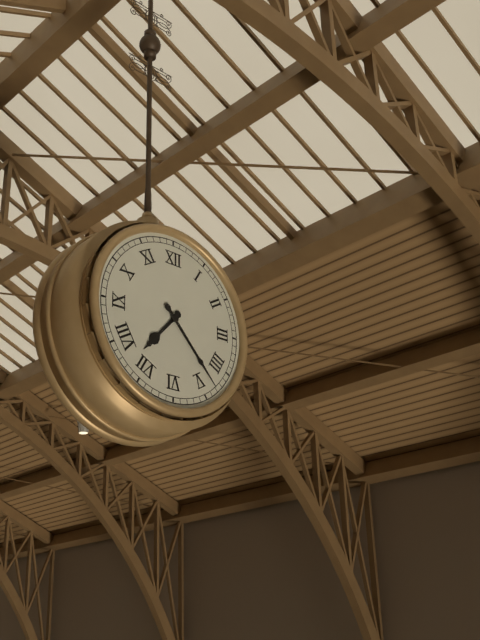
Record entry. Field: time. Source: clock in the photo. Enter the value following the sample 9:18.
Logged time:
7:23
